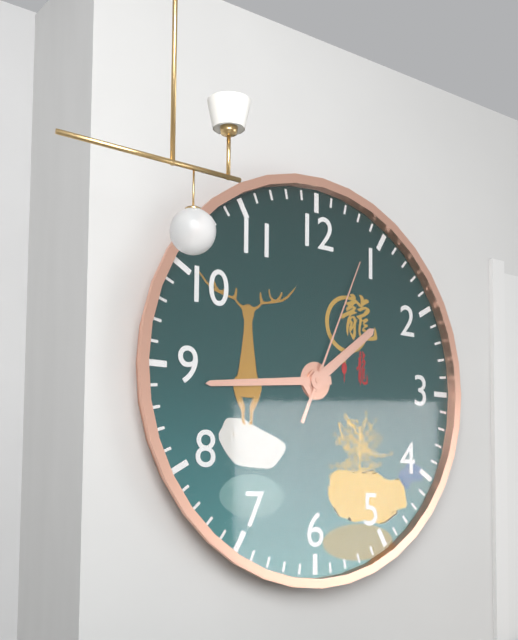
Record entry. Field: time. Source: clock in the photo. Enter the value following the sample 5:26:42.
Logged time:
1:44:04
